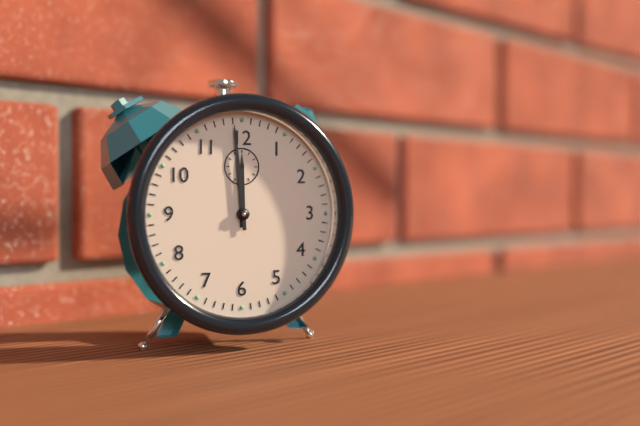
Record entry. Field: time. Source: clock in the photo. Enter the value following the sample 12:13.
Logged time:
11:59
